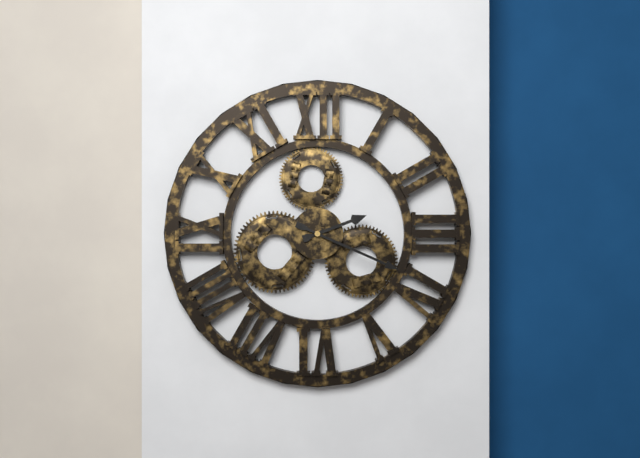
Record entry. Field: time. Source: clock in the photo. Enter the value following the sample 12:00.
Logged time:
2:19
